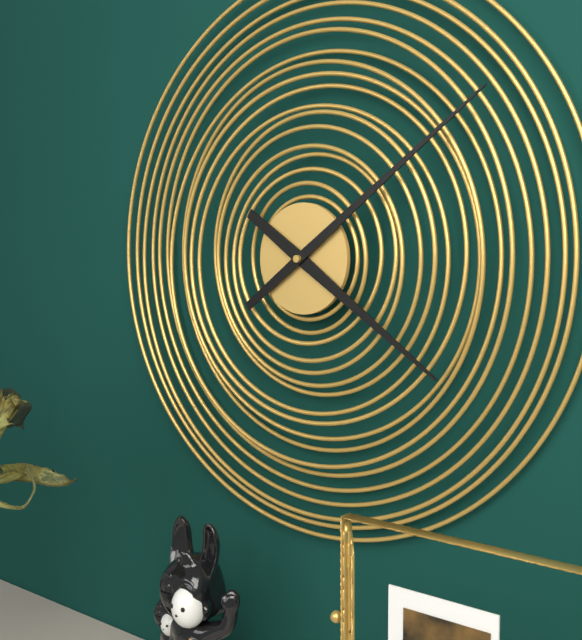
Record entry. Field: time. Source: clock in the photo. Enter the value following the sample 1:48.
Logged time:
4:09
